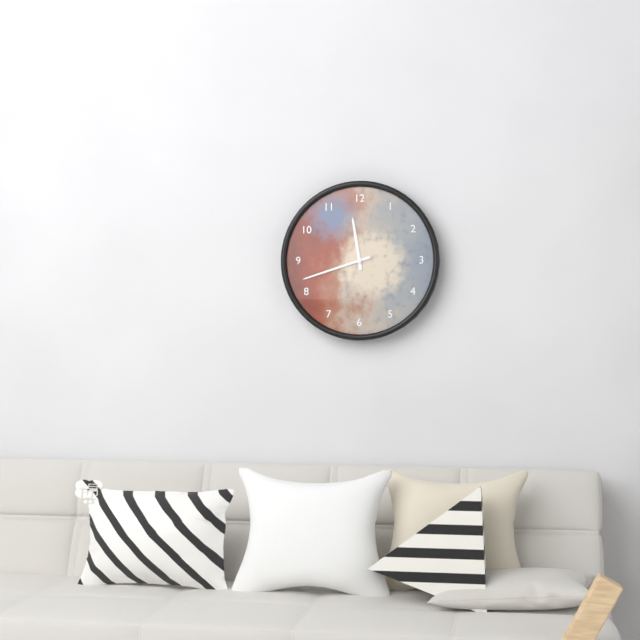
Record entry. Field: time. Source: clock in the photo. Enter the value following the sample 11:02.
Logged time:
11:42
